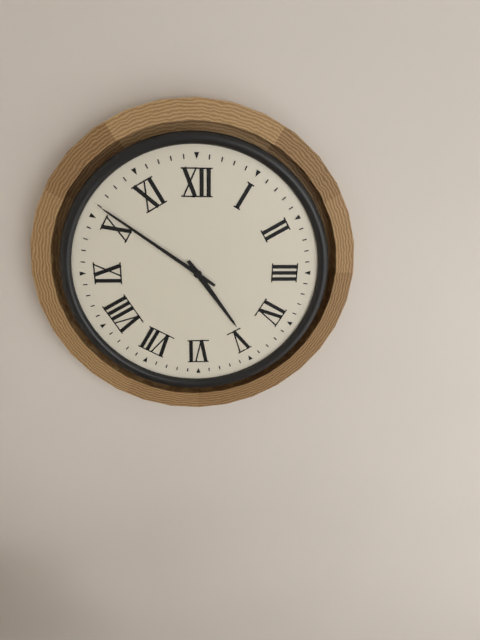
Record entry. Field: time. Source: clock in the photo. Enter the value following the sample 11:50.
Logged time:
4:51
